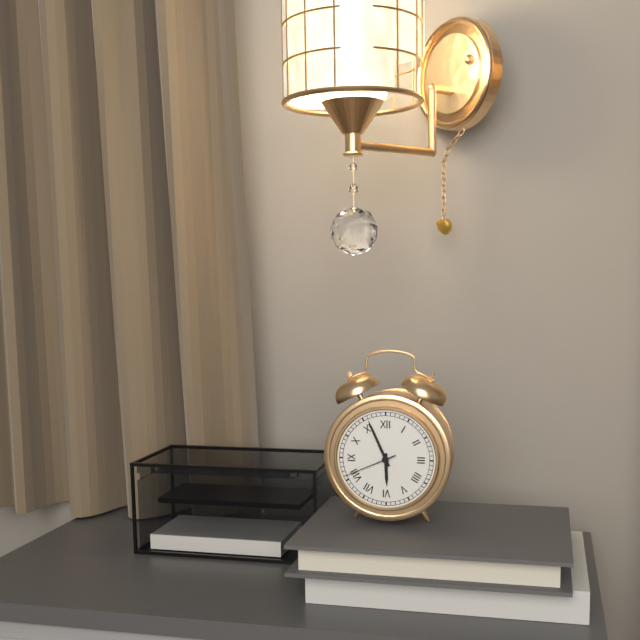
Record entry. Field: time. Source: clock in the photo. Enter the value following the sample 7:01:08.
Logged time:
5:56:41
